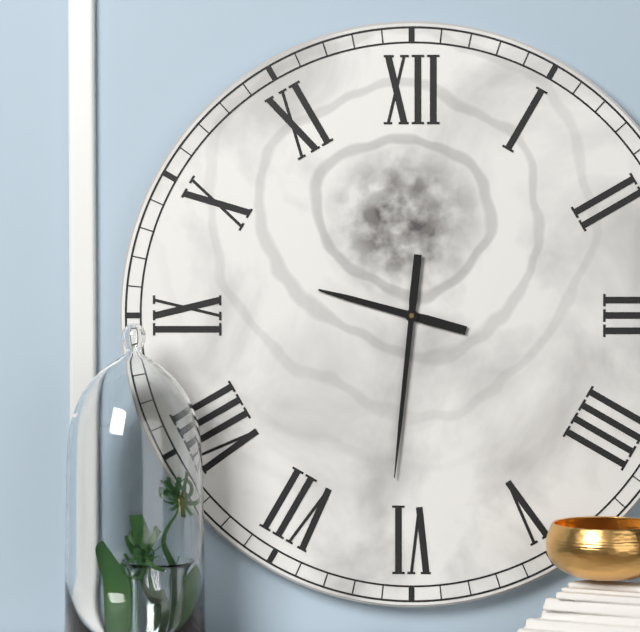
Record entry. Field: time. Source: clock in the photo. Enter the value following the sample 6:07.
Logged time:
9:31
